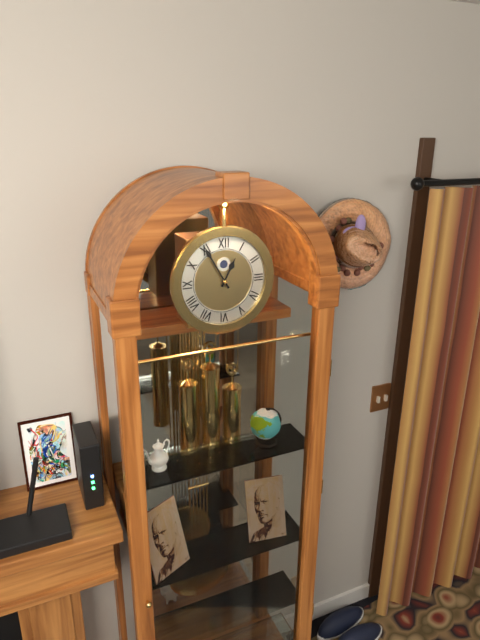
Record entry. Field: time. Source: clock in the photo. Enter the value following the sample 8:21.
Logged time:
12:55
